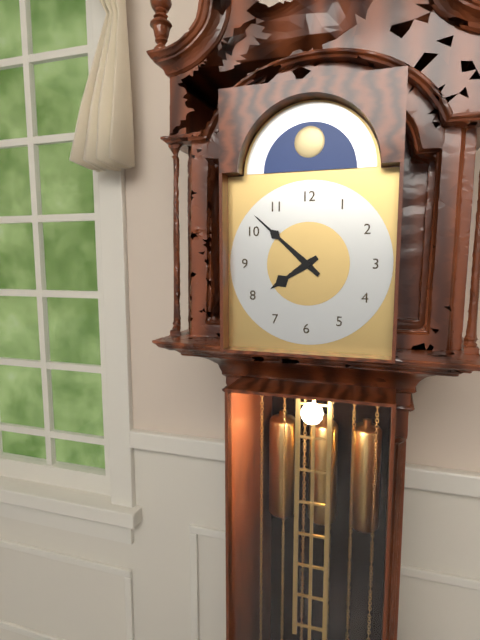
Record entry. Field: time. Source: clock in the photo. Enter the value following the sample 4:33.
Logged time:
7:52
